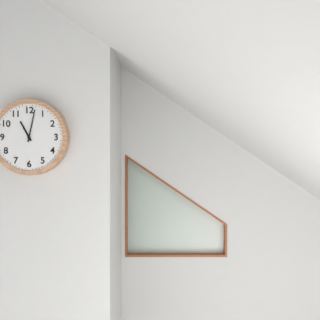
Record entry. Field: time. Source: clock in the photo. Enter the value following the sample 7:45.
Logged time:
11:02
